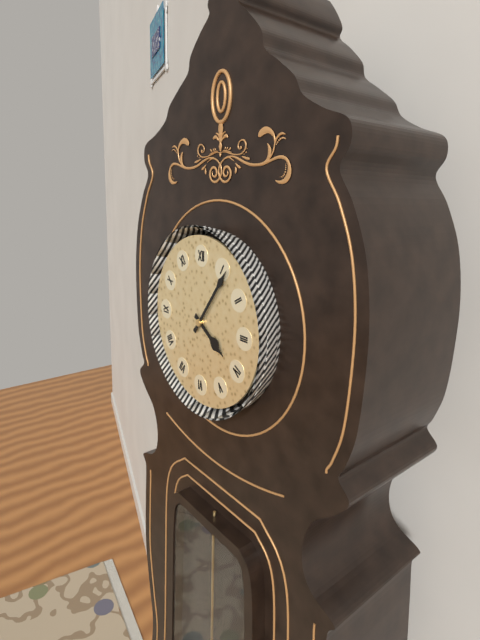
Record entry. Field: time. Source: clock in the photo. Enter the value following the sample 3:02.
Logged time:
4:06
